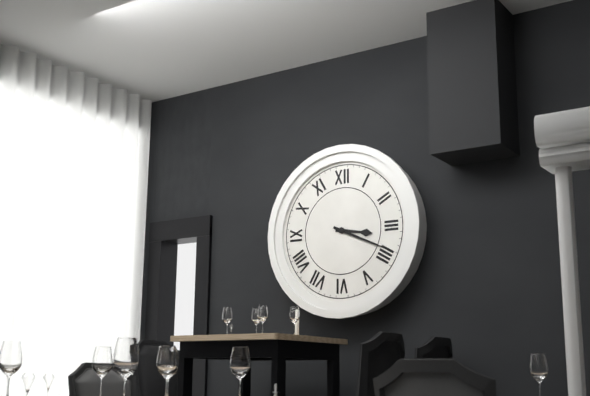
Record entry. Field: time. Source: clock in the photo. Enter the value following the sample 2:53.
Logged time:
3:19
